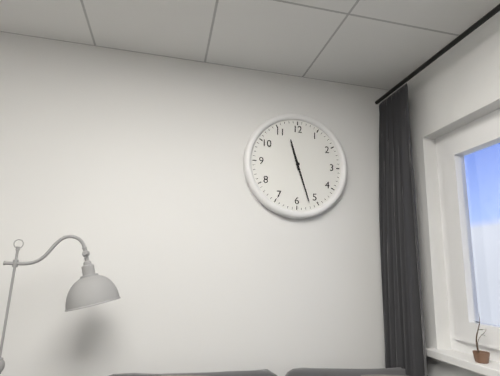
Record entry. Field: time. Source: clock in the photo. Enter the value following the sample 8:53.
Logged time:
11:27
